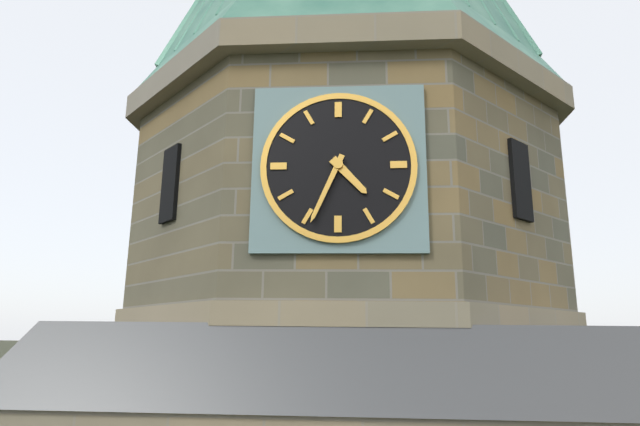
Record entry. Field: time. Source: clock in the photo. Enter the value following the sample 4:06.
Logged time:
4:34
